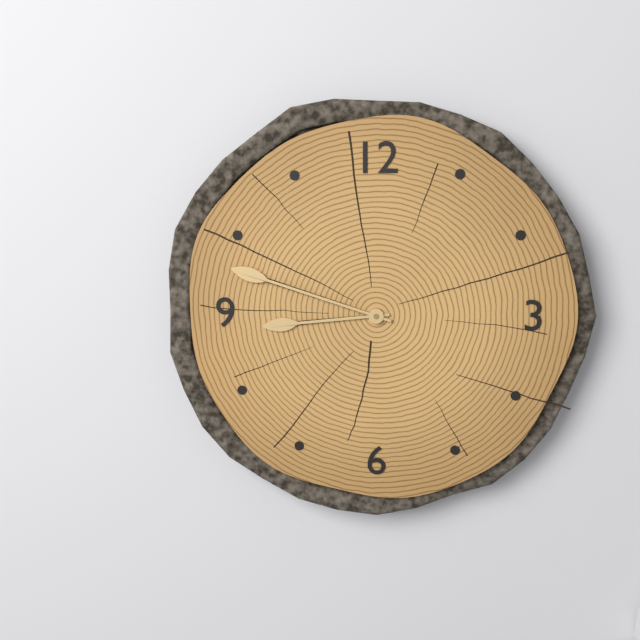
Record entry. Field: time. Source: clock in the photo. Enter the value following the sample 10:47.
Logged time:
8:48
